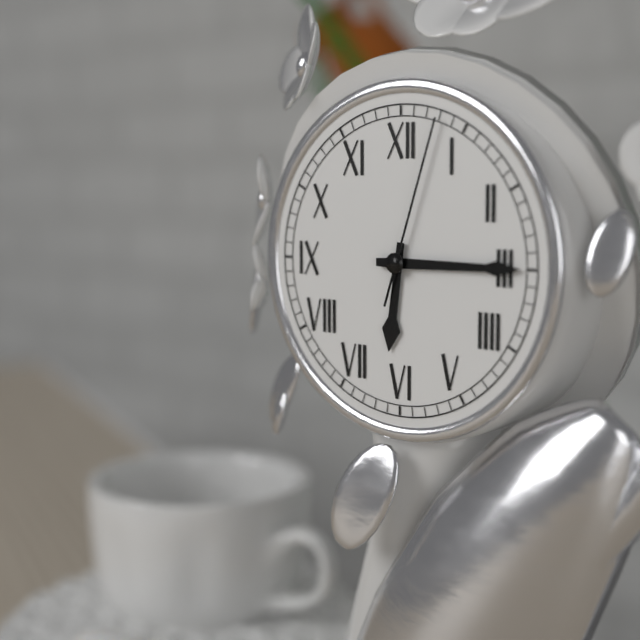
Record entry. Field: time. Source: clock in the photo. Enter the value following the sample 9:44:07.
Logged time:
6:15:03
